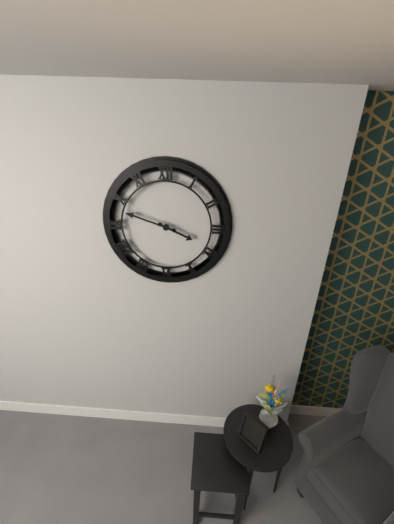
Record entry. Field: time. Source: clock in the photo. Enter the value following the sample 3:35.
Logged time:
3:48
